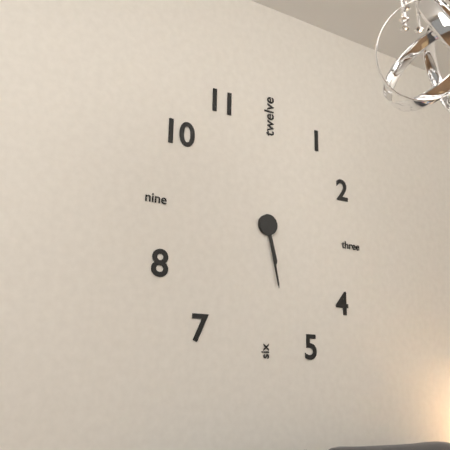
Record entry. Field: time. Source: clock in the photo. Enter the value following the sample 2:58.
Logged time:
5:28
